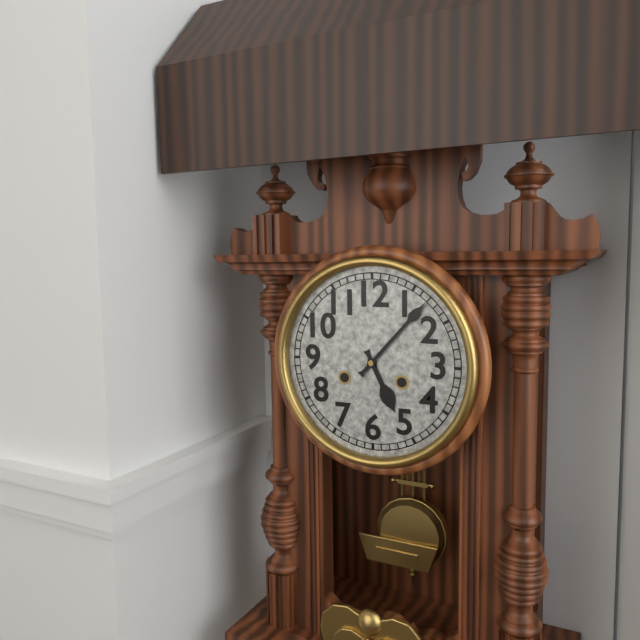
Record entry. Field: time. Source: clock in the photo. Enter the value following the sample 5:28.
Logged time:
5:07
